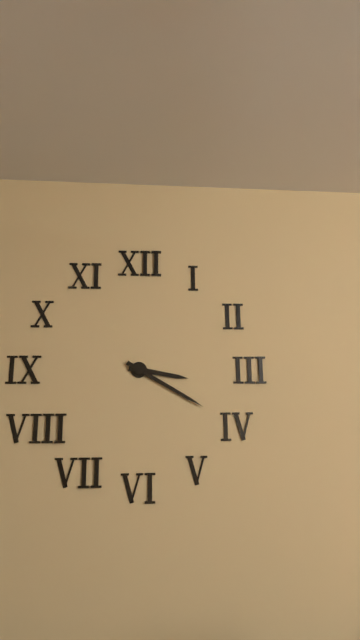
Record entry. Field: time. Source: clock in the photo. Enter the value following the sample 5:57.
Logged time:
3:20
